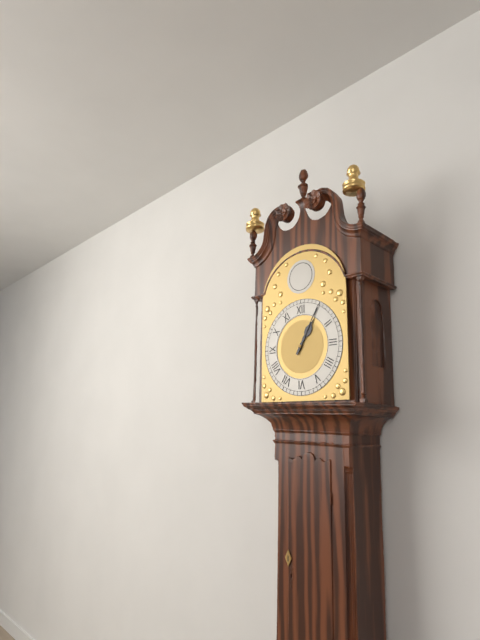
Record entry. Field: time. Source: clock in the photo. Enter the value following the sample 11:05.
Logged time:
1:05
